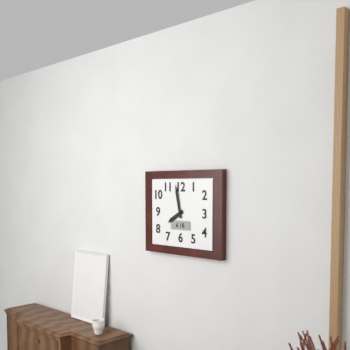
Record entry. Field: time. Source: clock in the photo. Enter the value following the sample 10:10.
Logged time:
7:58
